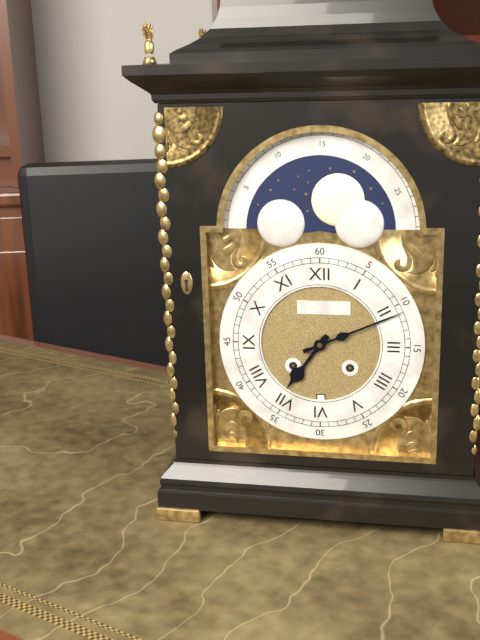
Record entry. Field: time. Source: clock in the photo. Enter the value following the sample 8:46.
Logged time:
7:11
